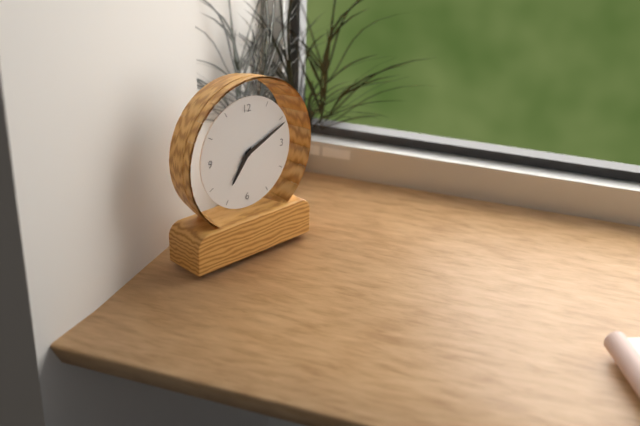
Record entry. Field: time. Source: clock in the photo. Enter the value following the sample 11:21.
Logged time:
7:11
